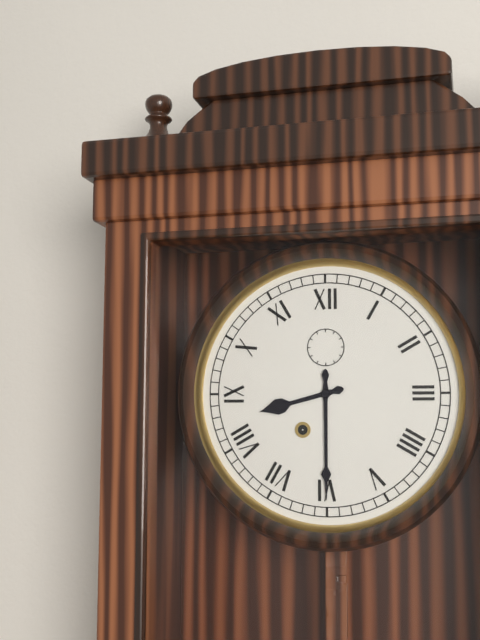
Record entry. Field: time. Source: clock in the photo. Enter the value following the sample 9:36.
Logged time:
8:30
